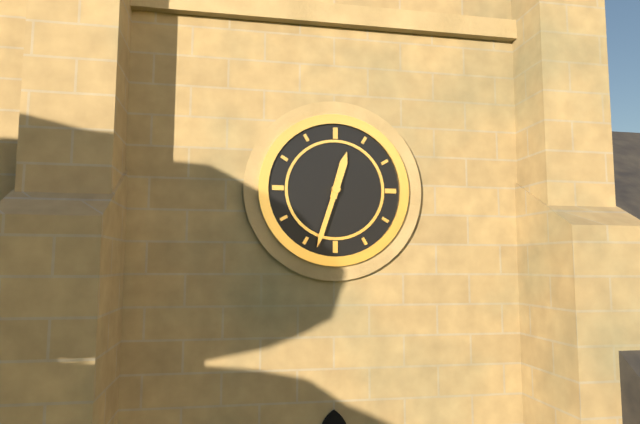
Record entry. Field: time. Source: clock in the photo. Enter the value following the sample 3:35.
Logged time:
12:33
